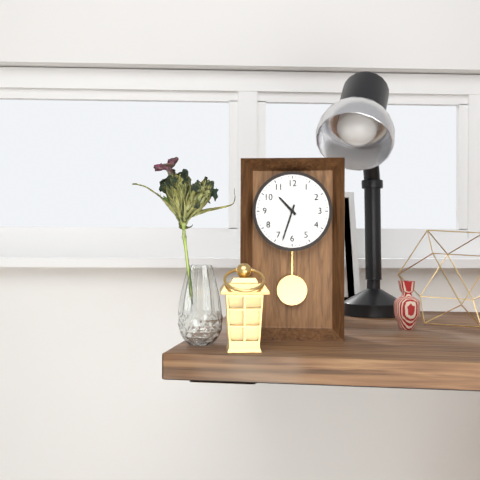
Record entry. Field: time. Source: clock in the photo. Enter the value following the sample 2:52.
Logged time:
10:33
